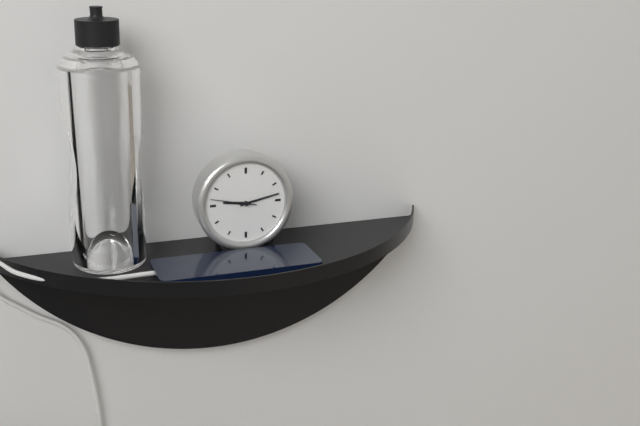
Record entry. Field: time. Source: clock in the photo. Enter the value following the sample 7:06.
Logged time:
9:13
